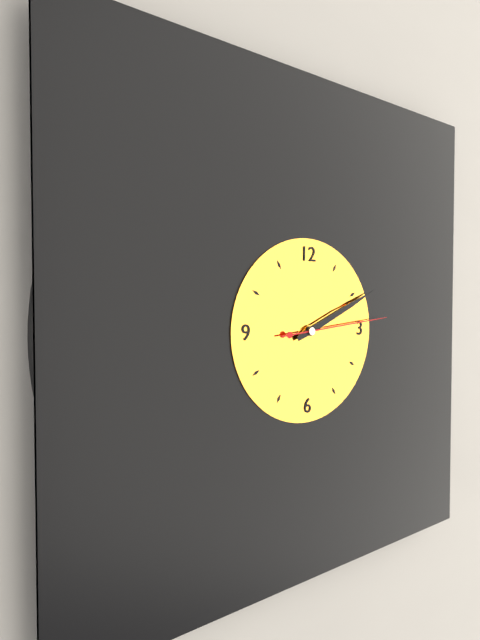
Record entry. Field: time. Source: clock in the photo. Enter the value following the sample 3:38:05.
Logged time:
2:11:14
